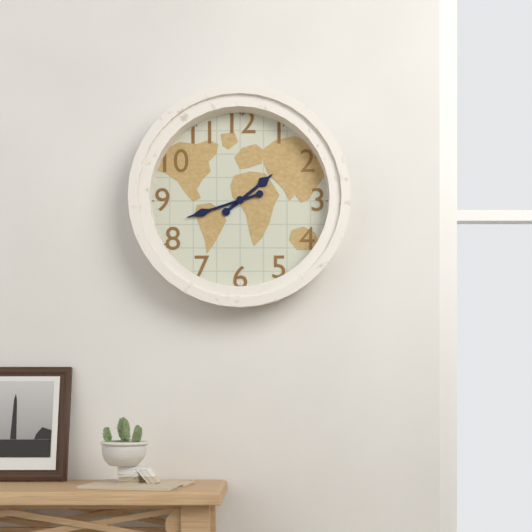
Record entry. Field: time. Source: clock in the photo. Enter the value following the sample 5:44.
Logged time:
1:42
